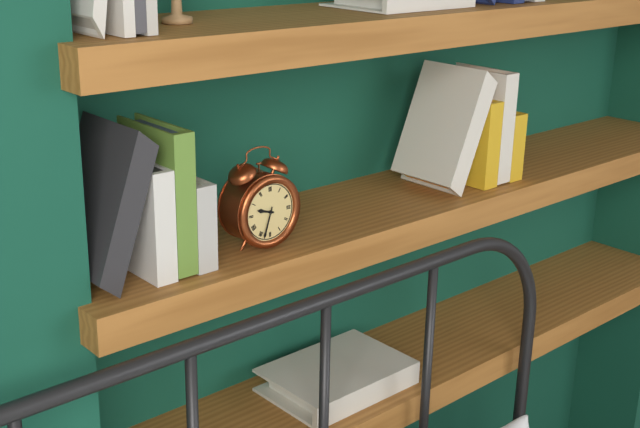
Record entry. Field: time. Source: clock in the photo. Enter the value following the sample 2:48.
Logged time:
9:33
